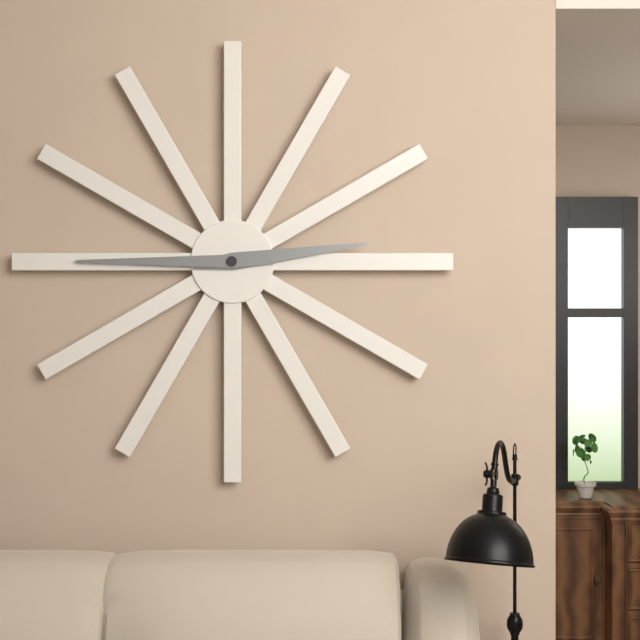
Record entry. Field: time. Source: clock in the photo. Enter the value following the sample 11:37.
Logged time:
2:45
